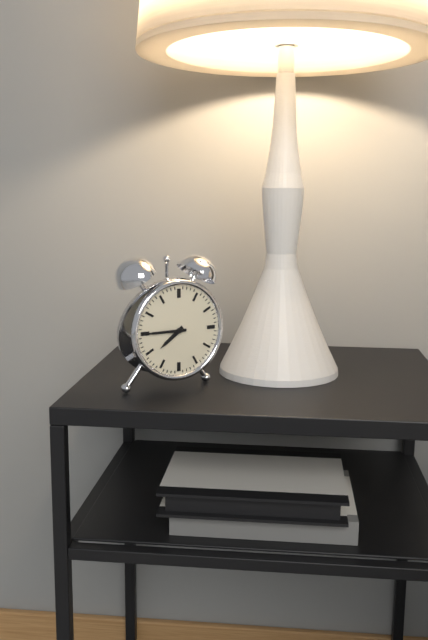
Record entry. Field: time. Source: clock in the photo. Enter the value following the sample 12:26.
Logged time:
7:45
